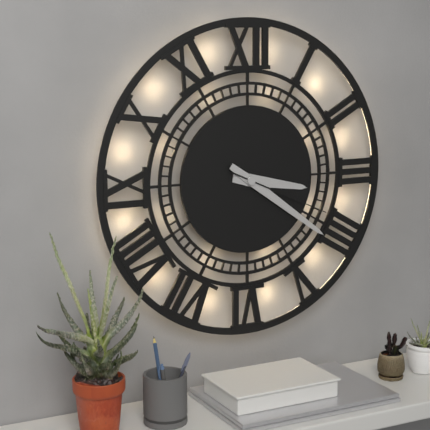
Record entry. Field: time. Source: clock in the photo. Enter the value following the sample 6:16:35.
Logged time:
3:21:19
